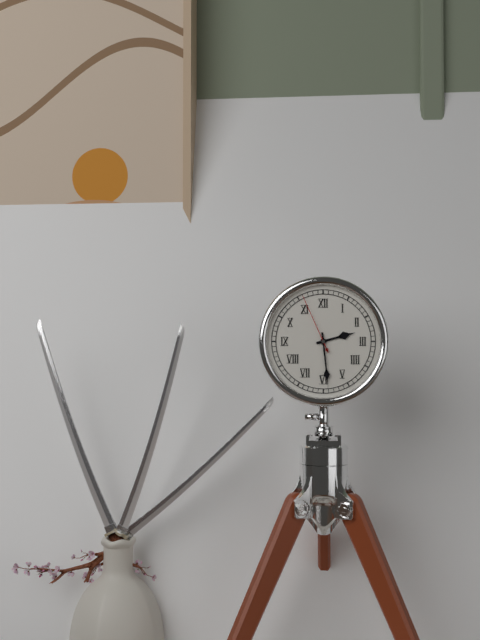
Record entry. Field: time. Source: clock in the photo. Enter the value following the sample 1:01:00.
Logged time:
2:29:56
